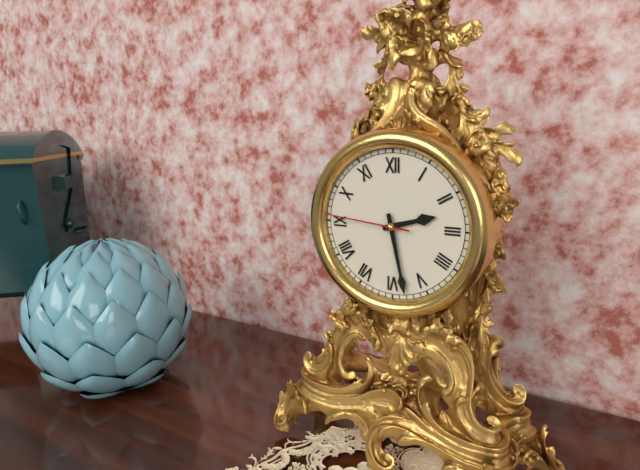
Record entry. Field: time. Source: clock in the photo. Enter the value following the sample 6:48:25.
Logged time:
2:28:46
